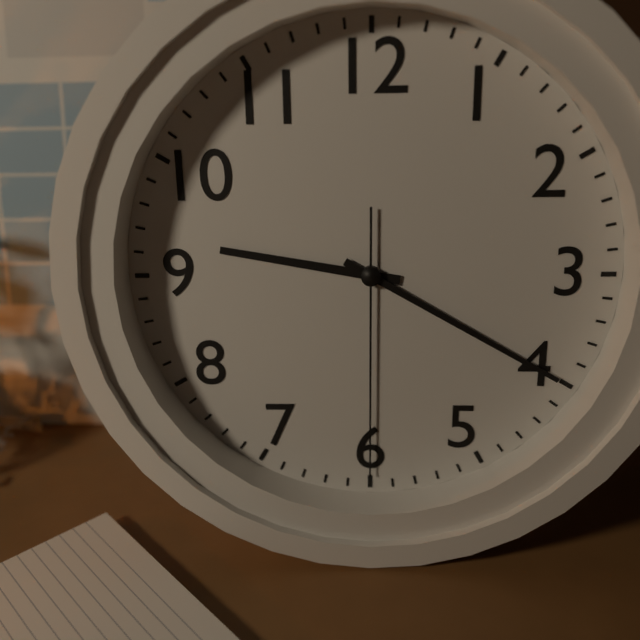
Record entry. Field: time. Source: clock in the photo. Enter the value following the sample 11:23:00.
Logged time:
9:20:30
